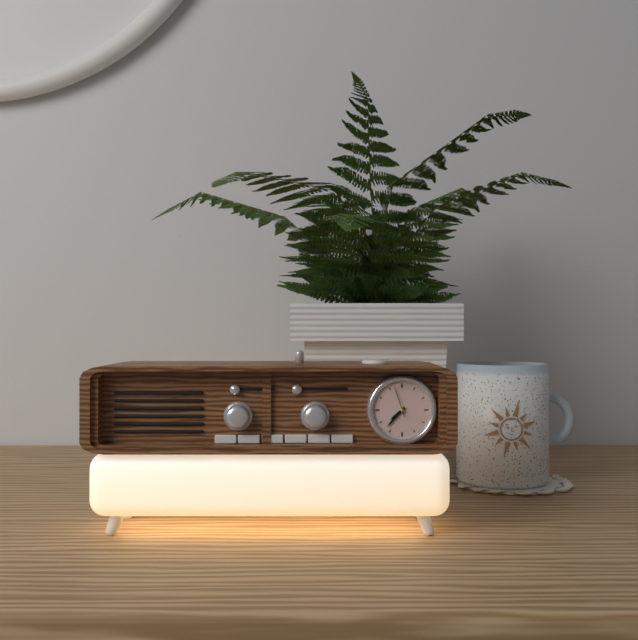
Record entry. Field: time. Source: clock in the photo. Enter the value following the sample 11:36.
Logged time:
7:37
